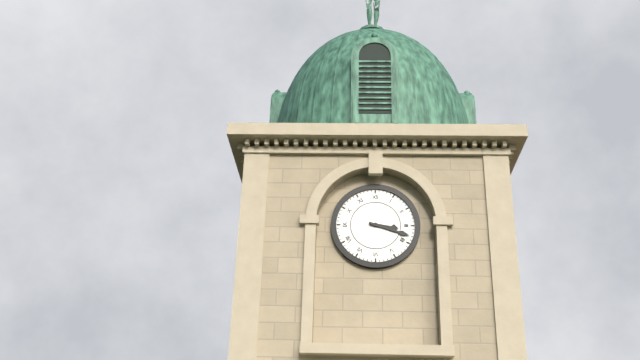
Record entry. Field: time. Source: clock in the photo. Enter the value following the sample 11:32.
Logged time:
3:18
